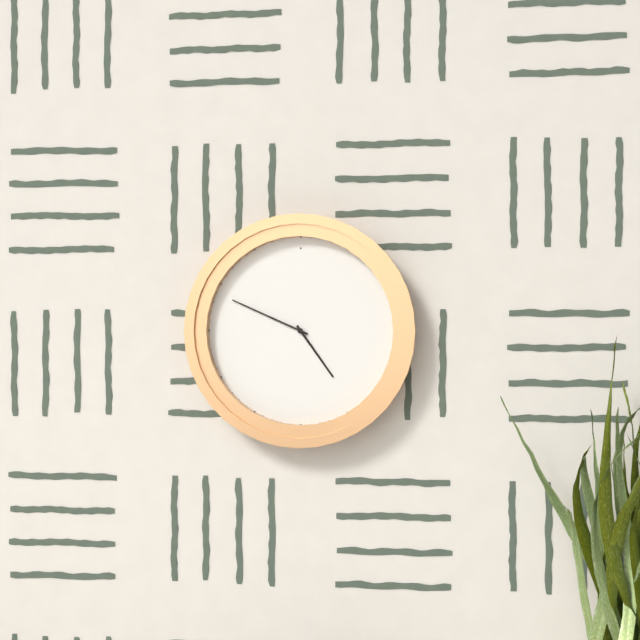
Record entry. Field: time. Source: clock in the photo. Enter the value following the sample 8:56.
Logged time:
4:49
